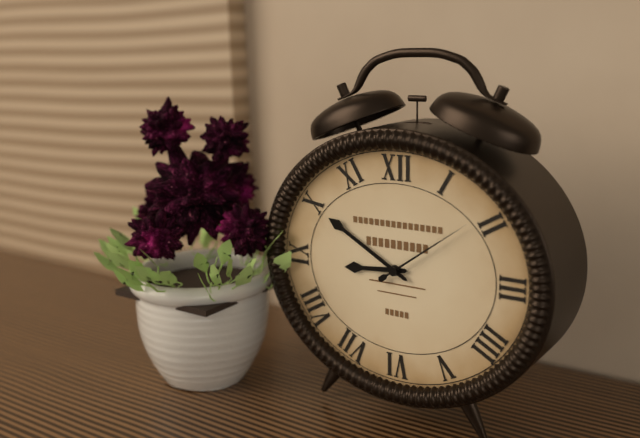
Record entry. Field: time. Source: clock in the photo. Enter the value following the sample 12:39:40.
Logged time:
8:50:09
